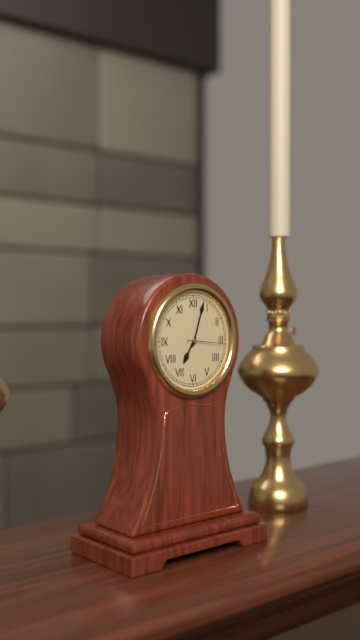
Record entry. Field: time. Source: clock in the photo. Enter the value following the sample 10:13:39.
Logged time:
7:03:16
